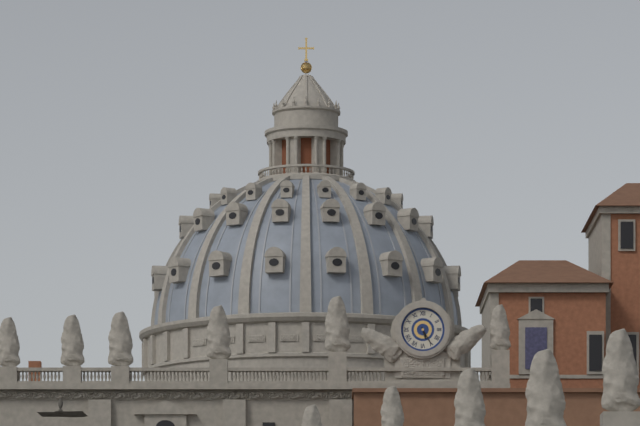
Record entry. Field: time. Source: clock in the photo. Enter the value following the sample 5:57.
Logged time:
5:25
